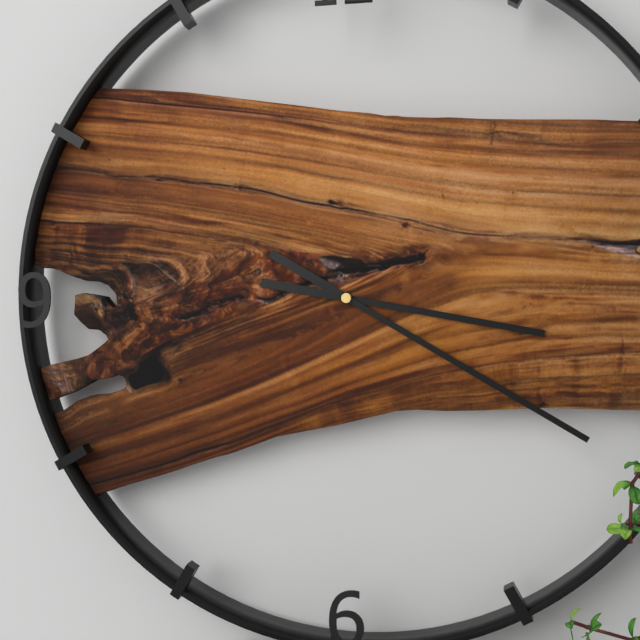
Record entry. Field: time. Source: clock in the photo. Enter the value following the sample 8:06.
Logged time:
3:20
